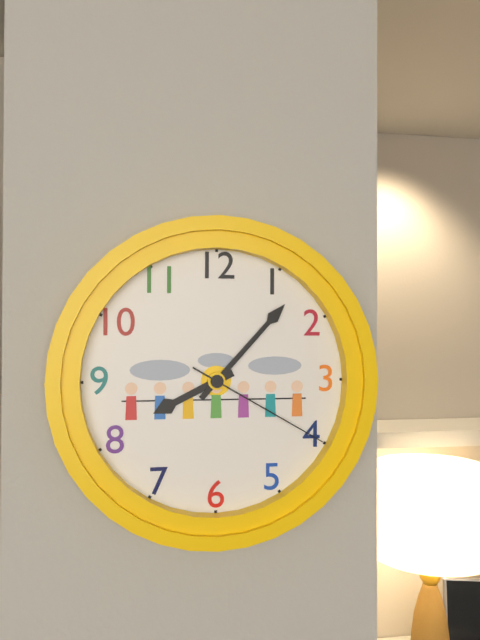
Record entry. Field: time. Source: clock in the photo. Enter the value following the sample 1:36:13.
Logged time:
8:07:20
